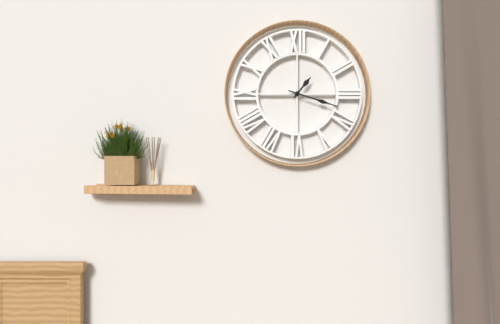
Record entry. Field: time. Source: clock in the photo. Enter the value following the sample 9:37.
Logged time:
1:18
